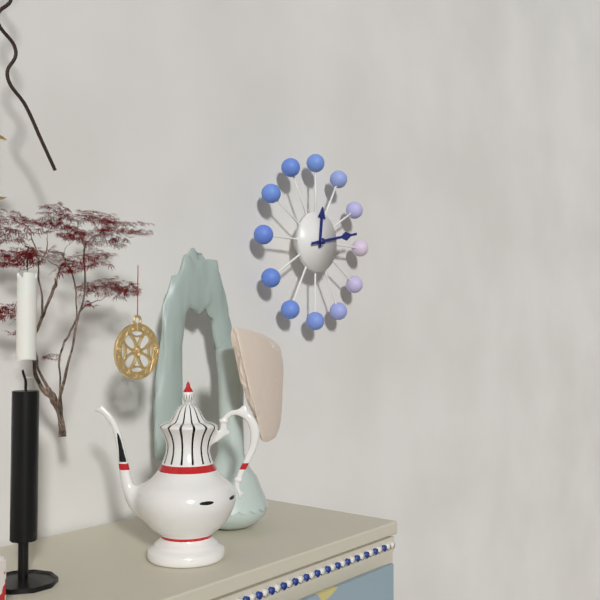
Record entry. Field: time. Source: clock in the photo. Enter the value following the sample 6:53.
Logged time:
12:13
